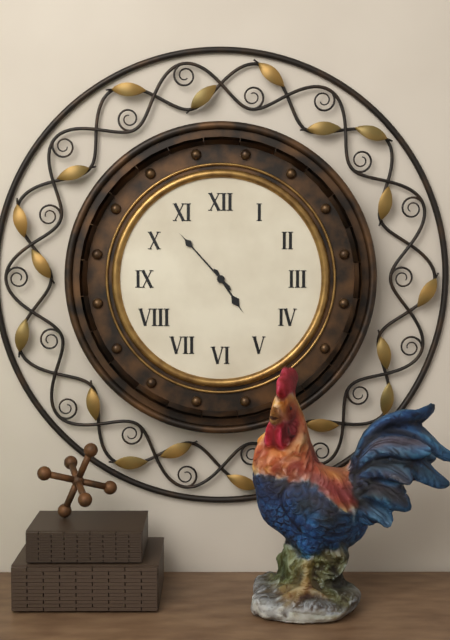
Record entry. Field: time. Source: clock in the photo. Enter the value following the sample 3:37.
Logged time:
4:53
